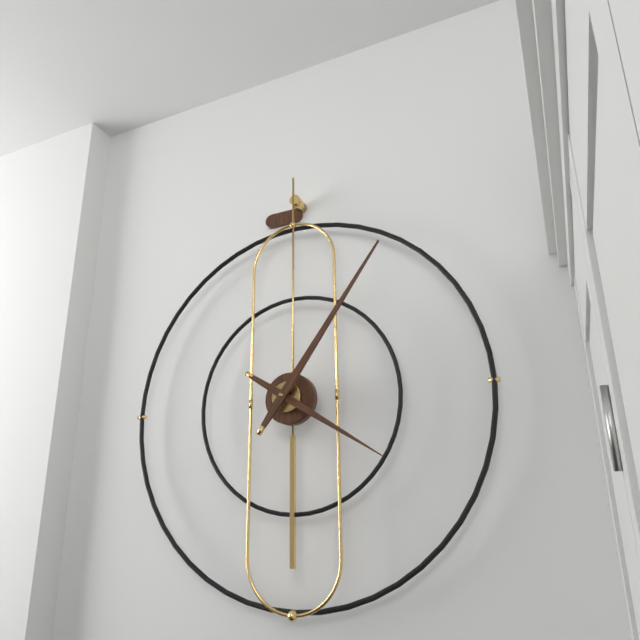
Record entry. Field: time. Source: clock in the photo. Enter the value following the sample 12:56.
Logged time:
4:06
